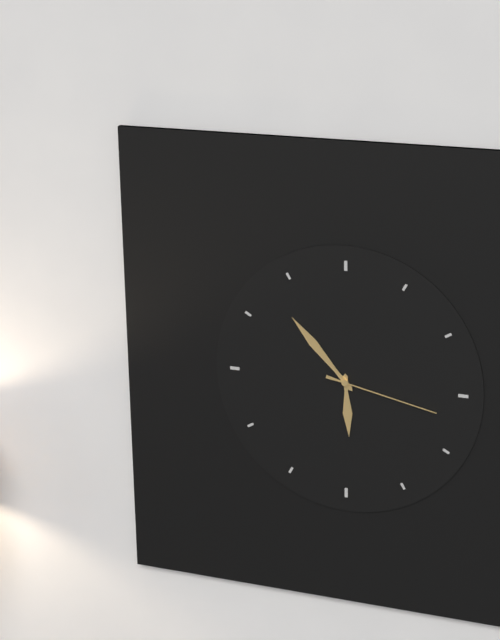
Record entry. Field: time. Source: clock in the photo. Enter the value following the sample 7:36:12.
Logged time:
5:53:17
